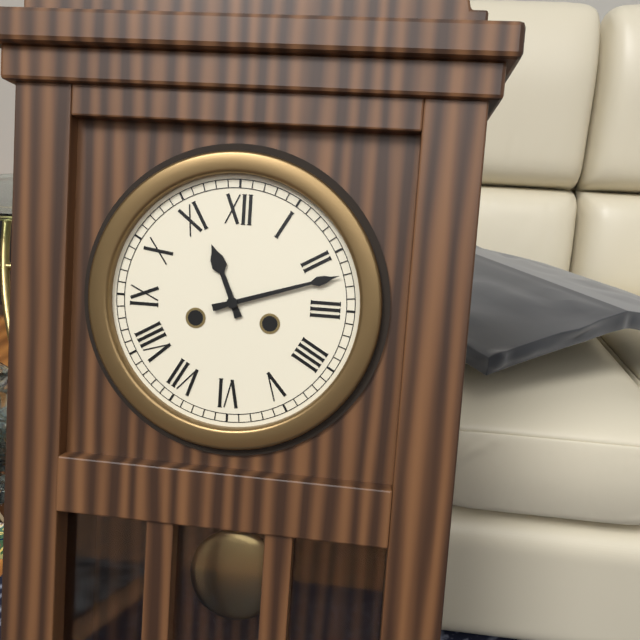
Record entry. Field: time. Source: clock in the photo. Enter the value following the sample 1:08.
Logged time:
11:12
